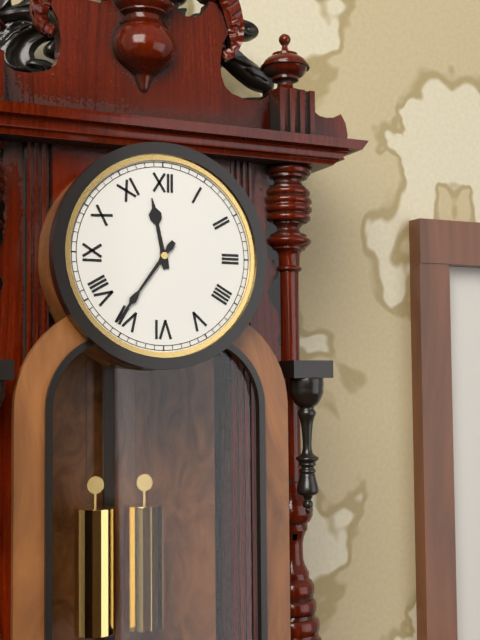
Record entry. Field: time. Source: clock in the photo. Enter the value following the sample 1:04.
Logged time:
11:36
